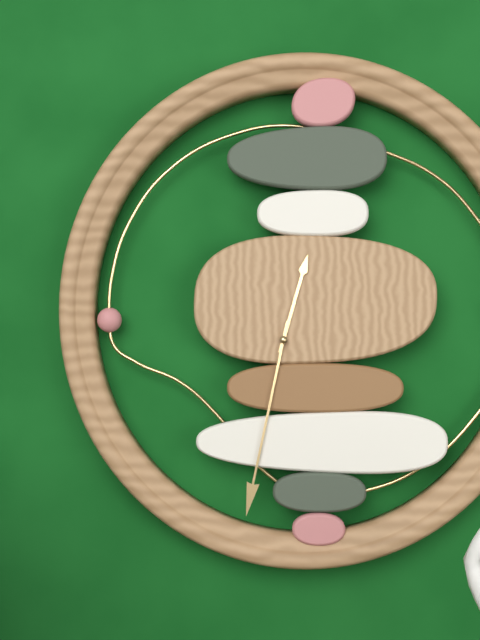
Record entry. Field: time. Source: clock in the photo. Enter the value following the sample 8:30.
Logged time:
12:32
